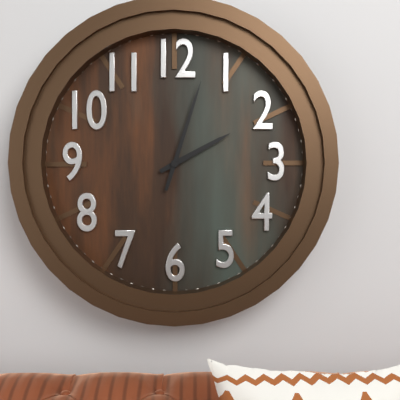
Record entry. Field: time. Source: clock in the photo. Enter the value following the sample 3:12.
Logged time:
2:03
